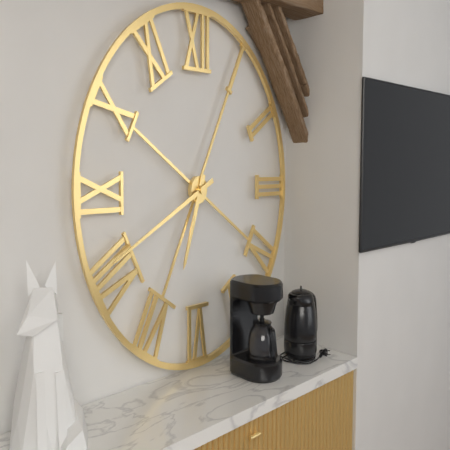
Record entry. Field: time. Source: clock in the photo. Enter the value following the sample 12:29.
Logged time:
6:41
